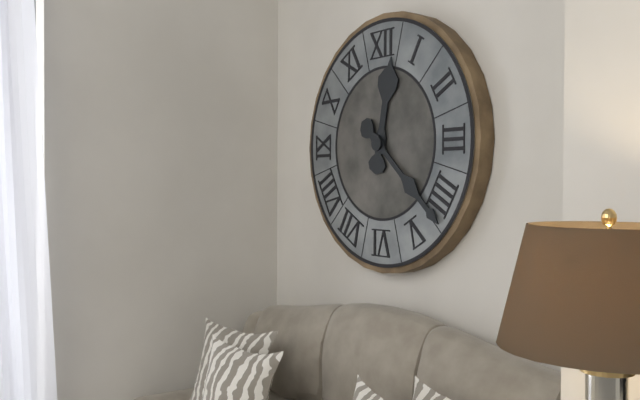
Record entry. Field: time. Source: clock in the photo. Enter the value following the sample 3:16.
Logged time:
12:22
